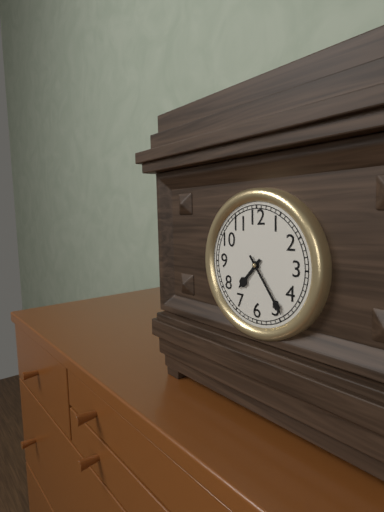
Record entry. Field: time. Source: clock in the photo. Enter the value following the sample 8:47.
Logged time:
7:24
